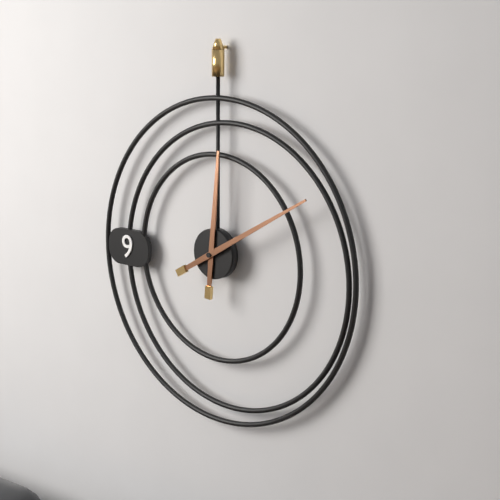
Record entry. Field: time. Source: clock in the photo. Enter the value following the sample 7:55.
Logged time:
12:10
